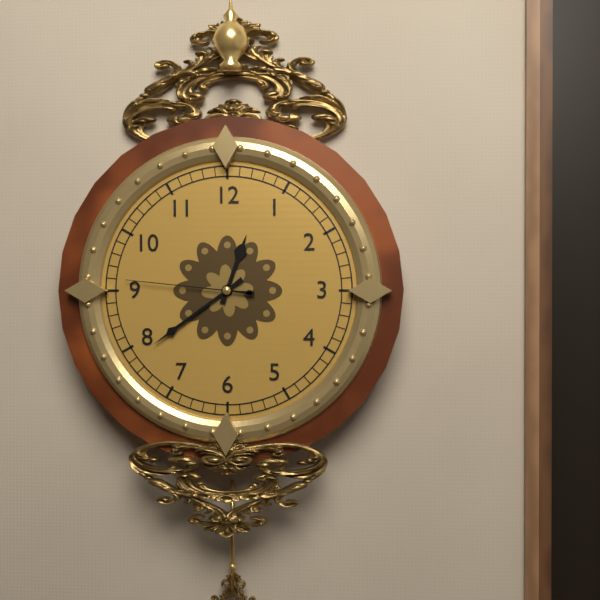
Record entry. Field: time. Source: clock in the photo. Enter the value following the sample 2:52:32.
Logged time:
12:39:46
